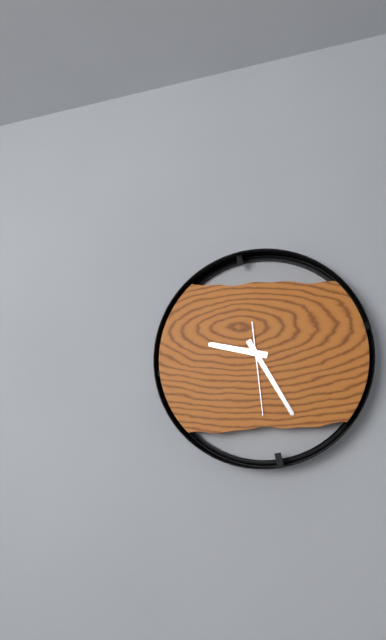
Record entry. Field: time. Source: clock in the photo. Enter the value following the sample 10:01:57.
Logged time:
9:25:29
